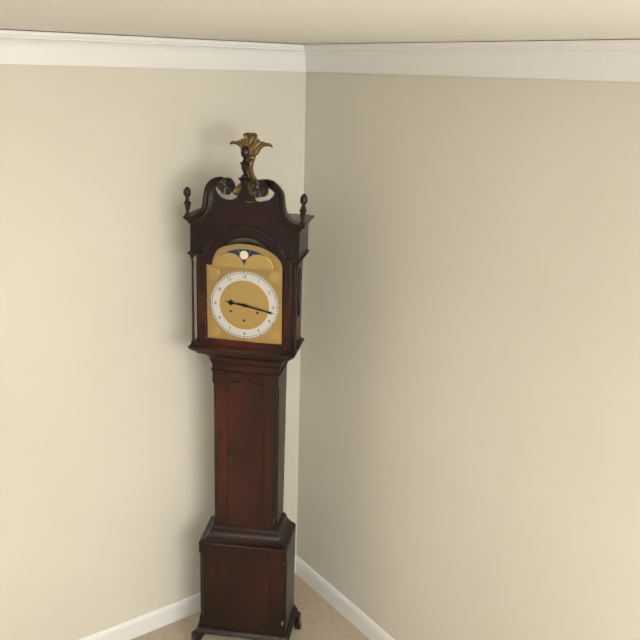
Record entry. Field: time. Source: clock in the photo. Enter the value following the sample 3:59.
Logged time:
9:17
